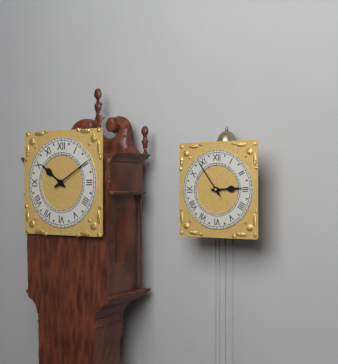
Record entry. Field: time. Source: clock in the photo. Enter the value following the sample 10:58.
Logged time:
2:54
